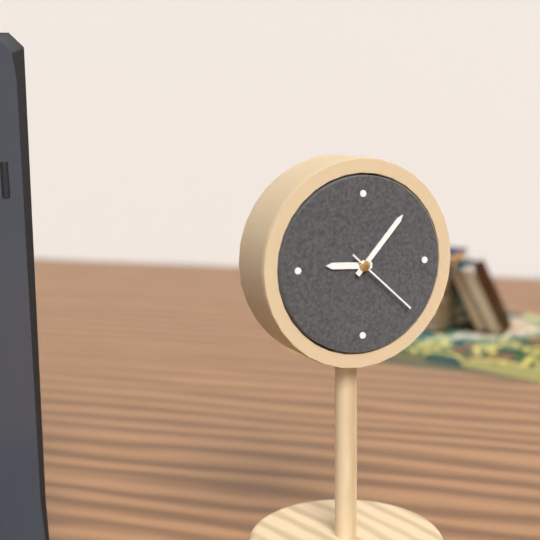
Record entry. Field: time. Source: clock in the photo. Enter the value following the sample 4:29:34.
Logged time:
9:07:22
